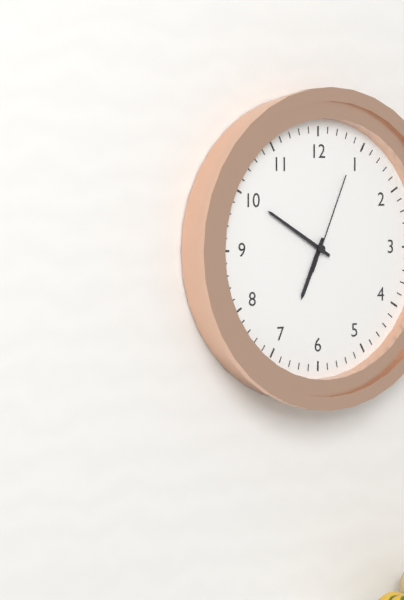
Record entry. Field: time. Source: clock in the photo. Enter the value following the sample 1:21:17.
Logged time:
6:50:04
